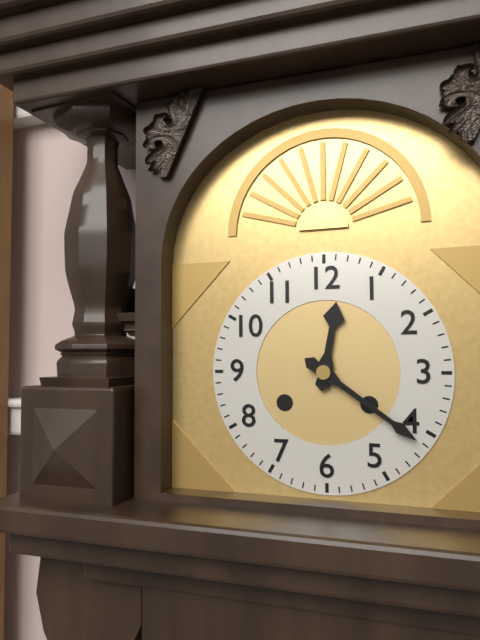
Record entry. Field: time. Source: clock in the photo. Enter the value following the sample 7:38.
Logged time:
12:21
